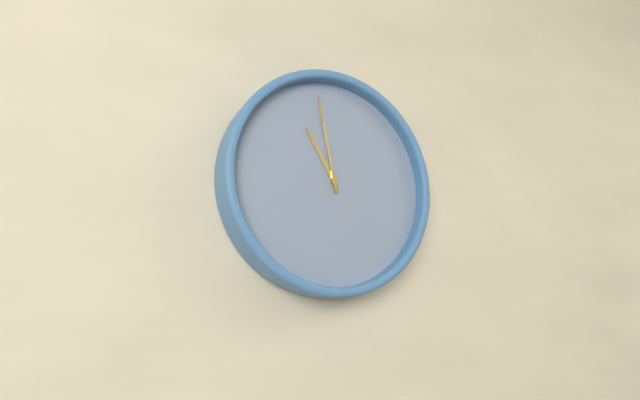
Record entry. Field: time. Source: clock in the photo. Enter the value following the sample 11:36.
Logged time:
10:58
